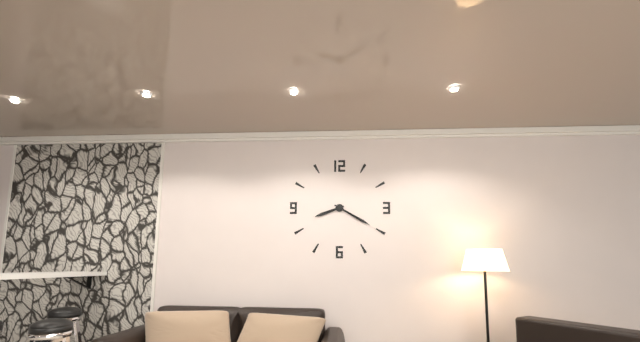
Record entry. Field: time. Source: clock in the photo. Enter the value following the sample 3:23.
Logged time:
8:20
